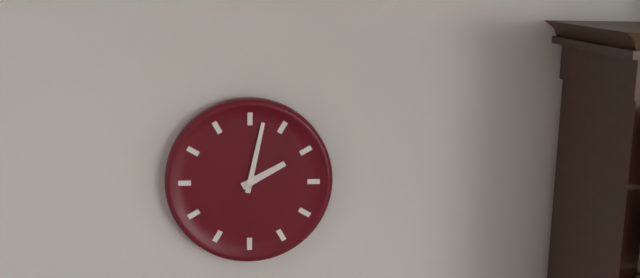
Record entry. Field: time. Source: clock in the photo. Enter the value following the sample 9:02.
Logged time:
2:02
